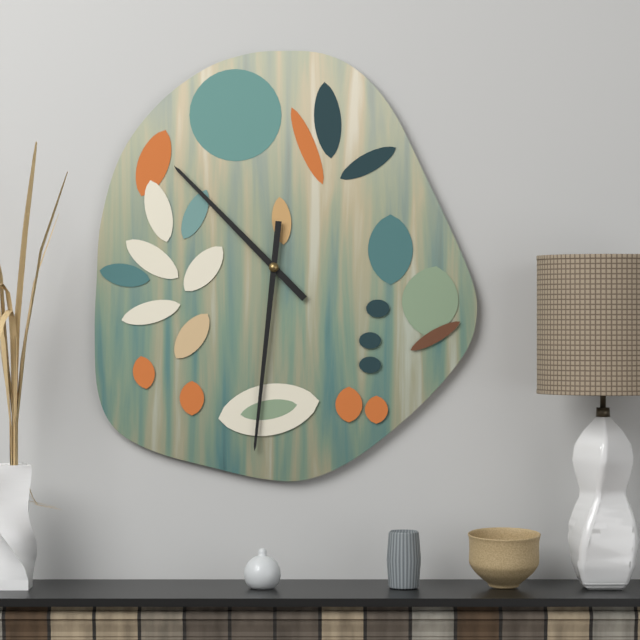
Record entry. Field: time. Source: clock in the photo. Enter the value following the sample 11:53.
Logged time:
10:31
